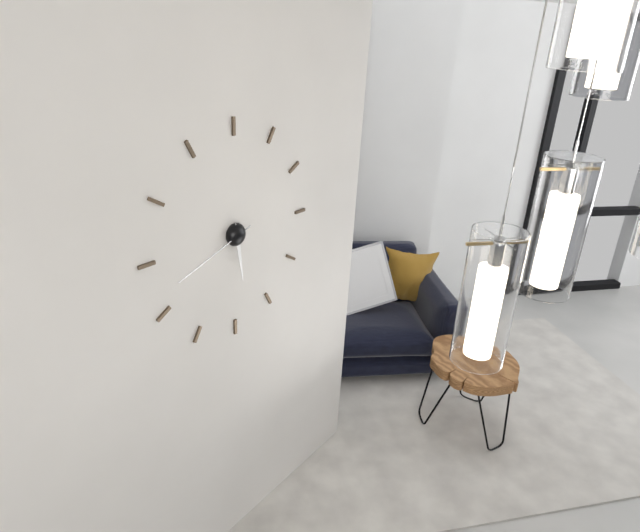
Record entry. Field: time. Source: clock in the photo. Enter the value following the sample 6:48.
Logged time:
5:42
